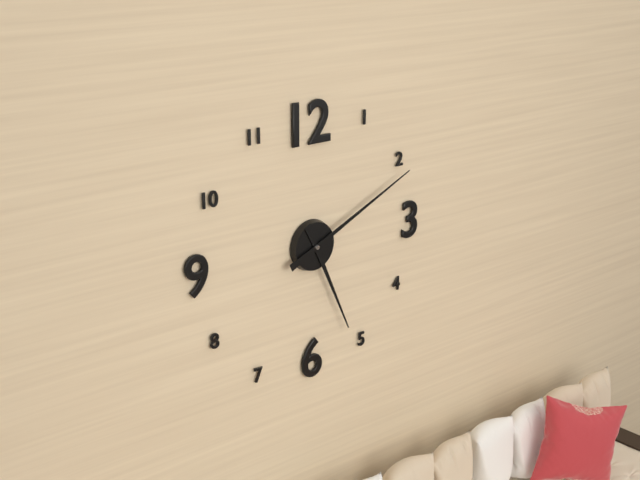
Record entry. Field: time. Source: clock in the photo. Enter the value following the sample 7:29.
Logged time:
5:11
